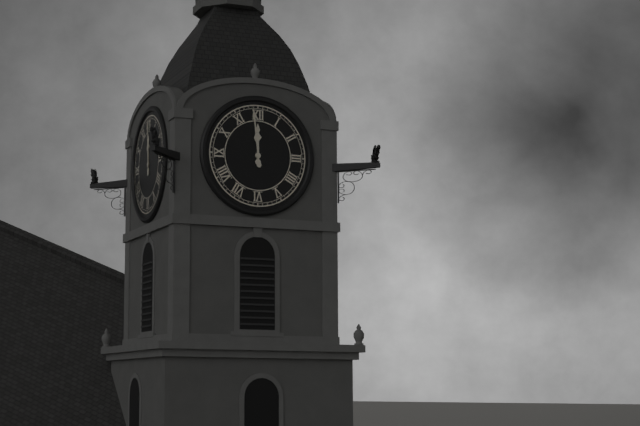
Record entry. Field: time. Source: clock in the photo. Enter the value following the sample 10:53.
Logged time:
11:59
